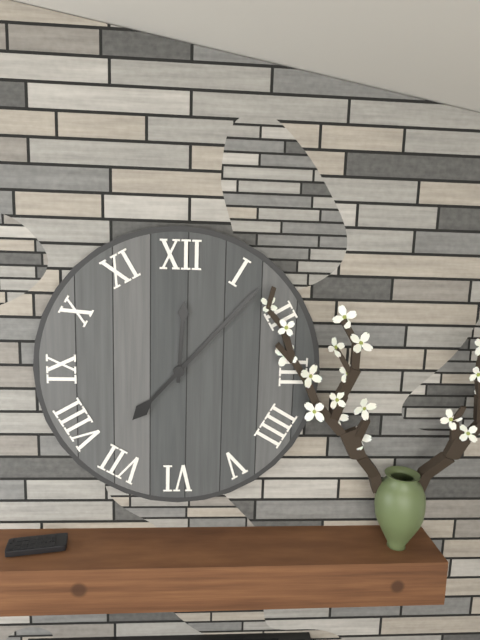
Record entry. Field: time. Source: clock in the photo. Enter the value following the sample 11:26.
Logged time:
12:07
